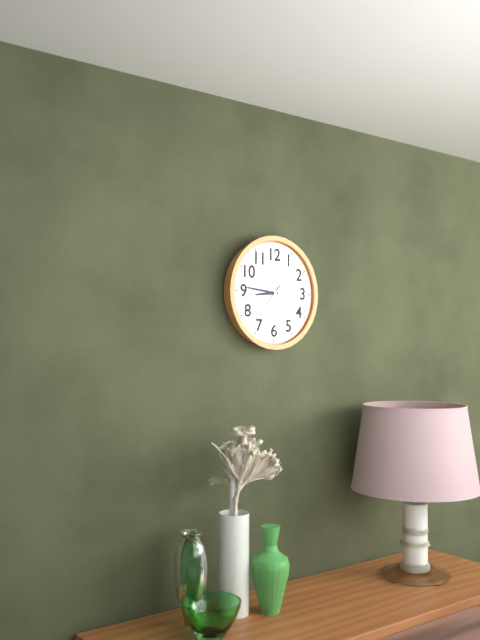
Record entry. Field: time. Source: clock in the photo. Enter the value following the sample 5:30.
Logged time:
8:46
